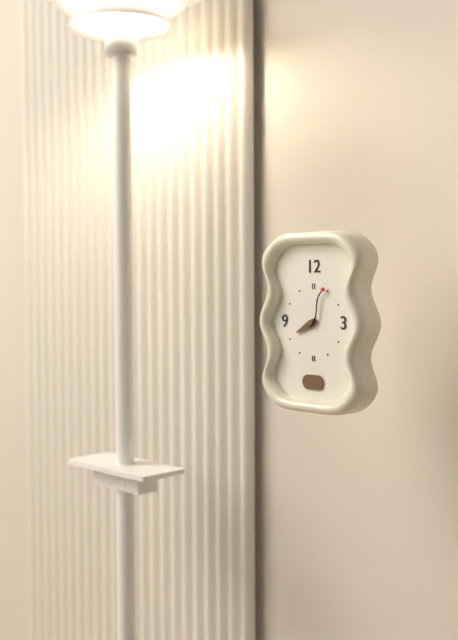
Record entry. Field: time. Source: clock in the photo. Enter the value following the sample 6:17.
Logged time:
8:04
